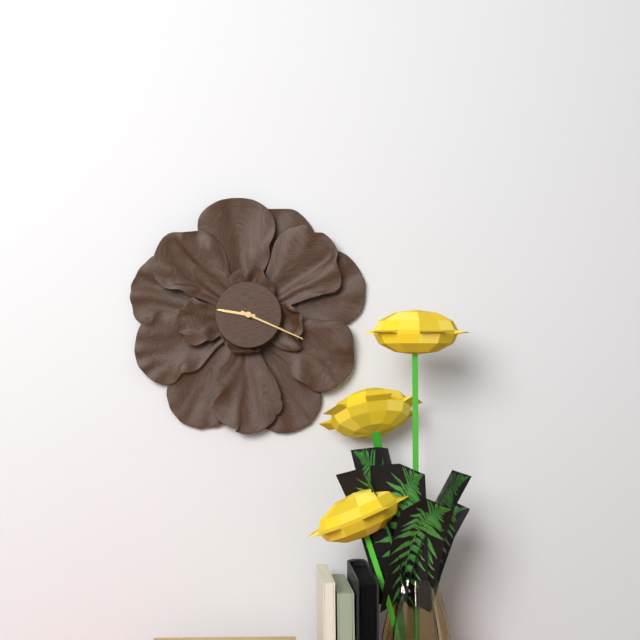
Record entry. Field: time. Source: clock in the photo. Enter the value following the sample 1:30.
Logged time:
9:19
